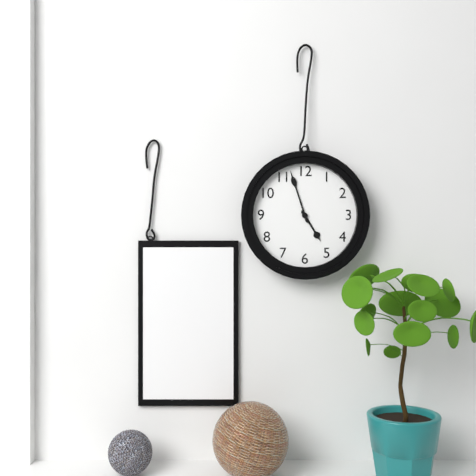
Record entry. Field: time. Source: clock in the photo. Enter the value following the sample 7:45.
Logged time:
4:57
